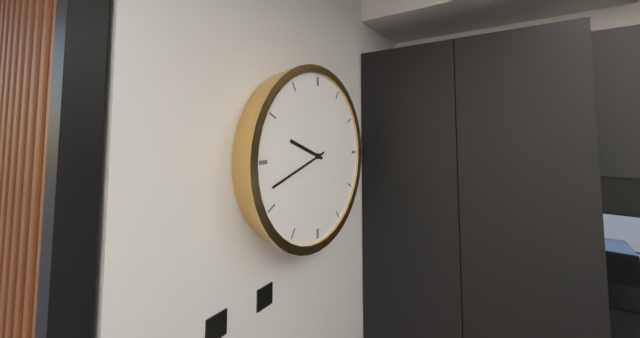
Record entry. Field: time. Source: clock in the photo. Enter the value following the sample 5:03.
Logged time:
9:42
